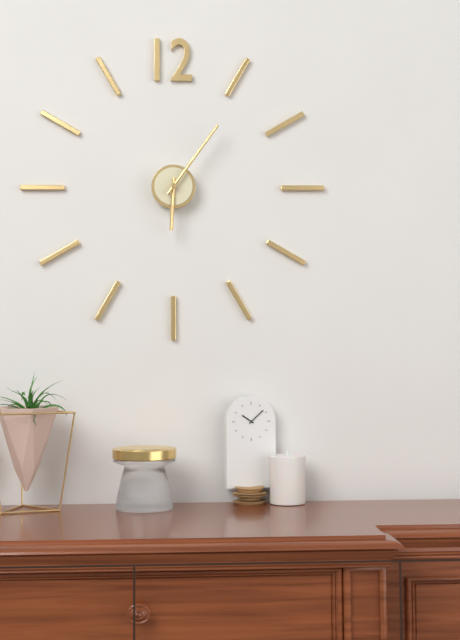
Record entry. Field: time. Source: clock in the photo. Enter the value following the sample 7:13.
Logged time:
6:06
